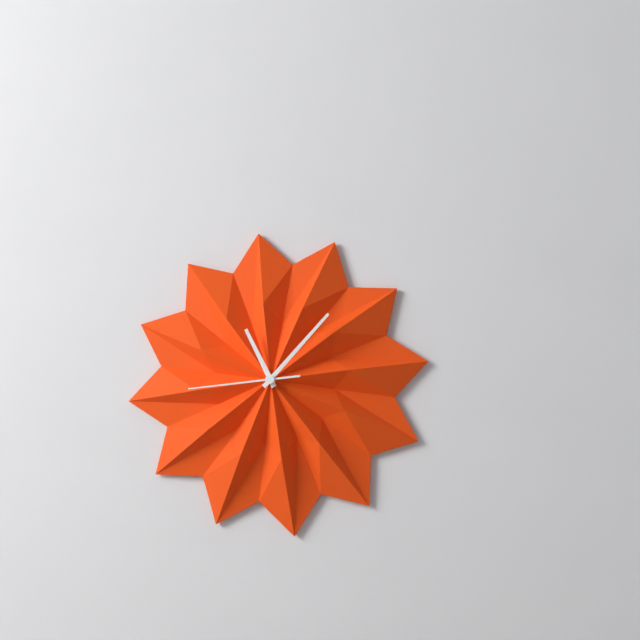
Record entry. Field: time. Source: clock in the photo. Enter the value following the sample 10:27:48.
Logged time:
11:07:44
